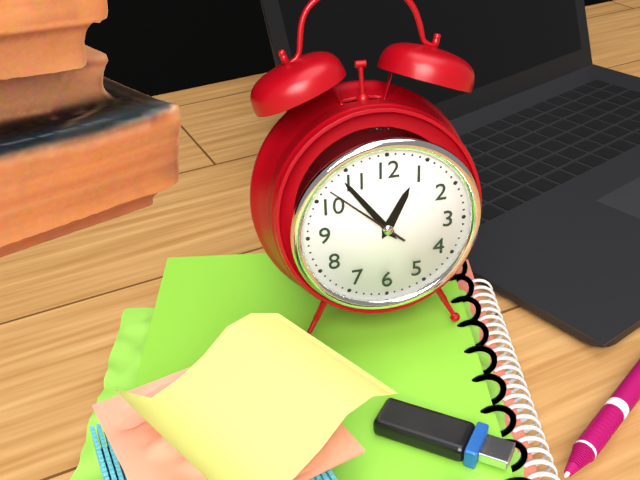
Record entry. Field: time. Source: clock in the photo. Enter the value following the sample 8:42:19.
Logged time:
12:54:52
